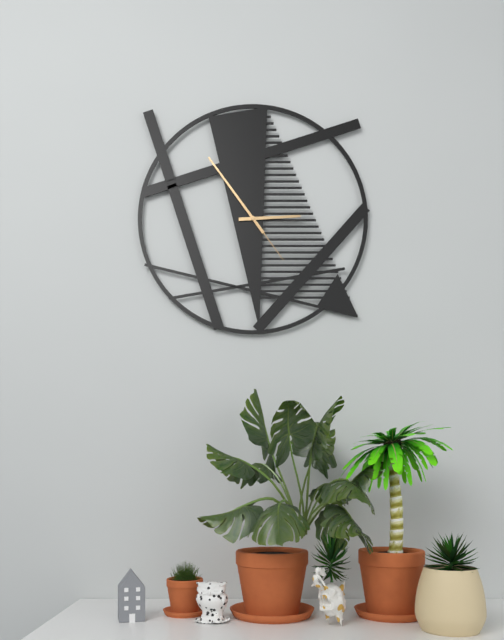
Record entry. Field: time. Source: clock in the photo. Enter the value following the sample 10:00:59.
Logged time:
2:54:24
